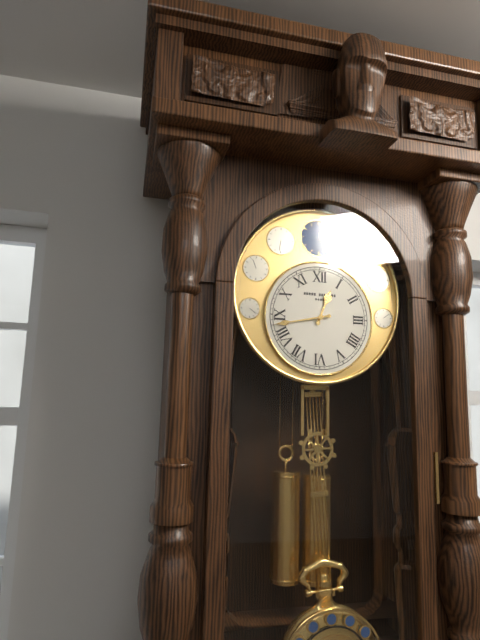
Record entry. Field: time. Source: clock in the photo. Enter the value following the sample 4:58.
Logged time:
12:43
